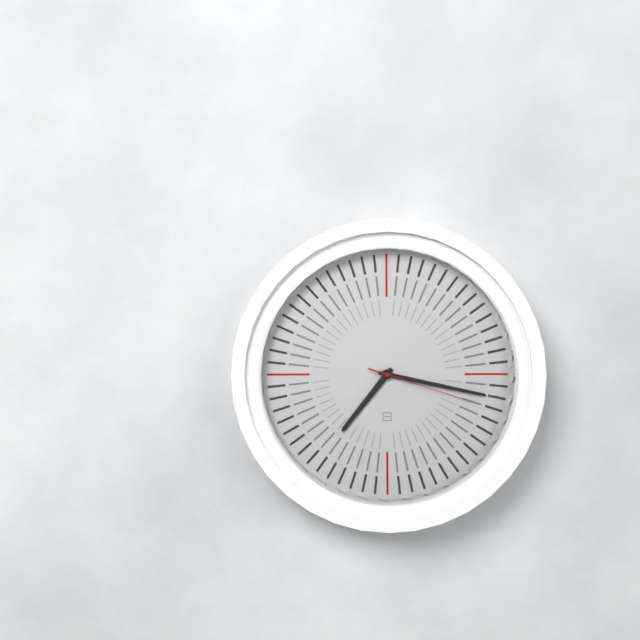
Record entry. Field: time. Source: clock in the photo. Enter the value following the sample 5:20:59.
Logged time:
7:17:18
